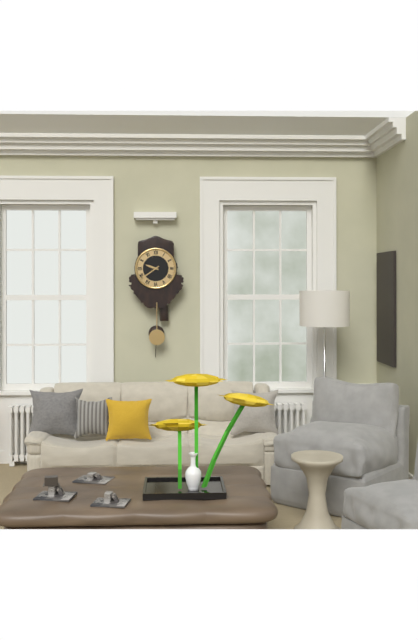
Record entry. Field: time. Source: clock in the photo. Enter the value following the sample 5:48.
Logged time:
9:39
